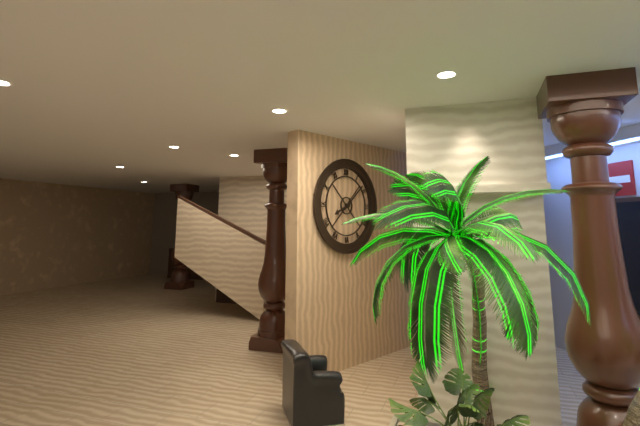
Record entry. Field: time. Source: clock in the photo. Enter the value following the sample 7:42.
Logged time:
8:08
